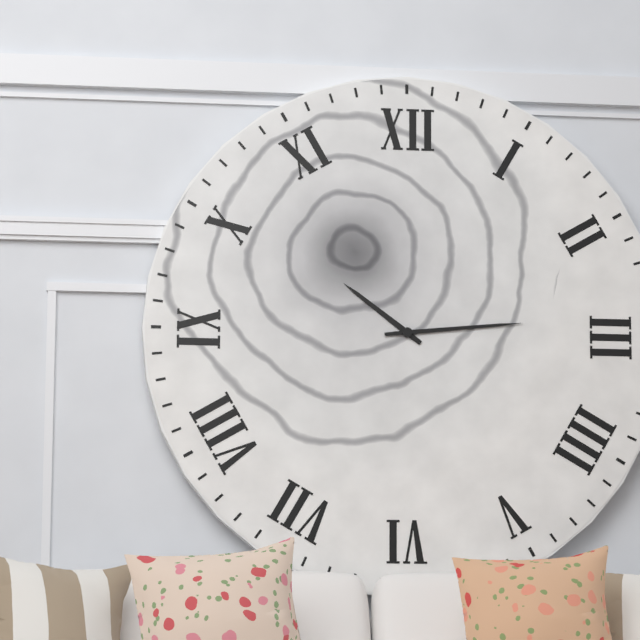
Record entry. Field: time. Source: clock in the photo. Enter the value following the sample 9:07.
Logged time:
10:14
